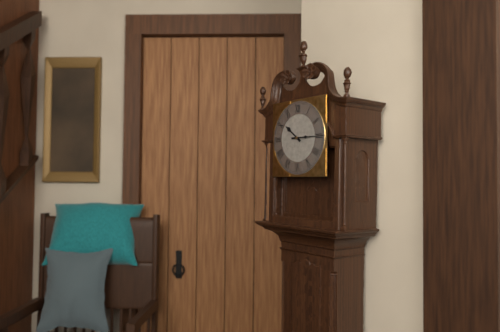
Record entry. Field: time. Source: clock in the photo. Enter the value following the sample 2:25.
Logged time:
10:15
